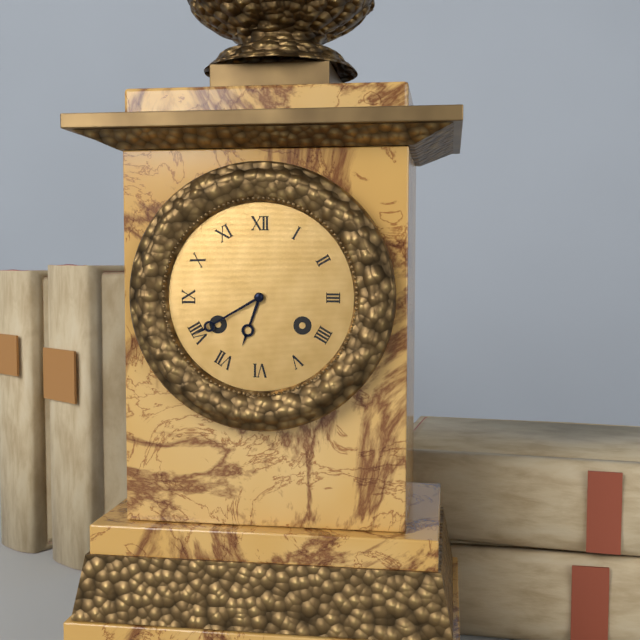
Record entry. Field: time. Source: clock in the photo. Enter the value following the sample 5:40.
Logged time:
6:40
